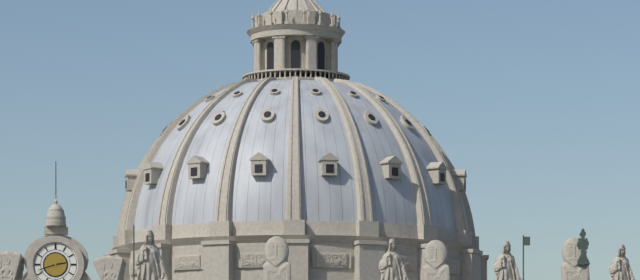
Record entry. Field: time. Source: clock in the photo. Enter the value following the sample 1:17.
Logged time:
2:42
